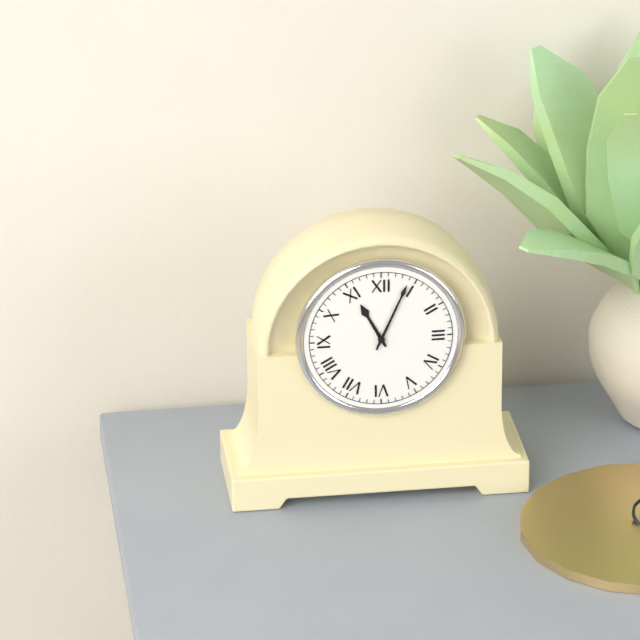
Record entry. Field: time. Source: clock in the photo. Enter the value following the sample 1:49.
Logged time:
11:04
